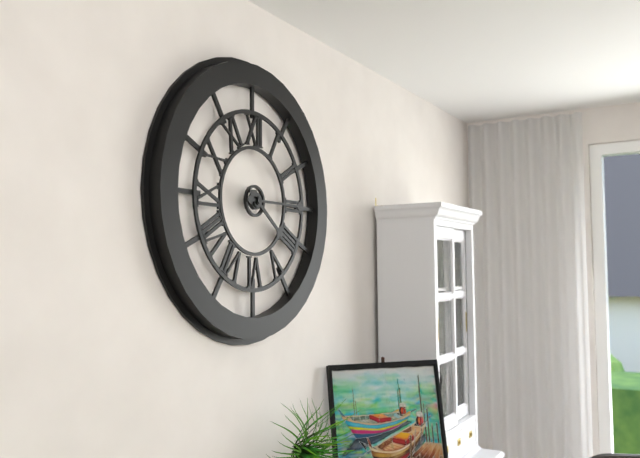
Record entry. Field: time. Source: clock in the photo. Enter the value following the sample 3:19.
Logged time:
4:15
